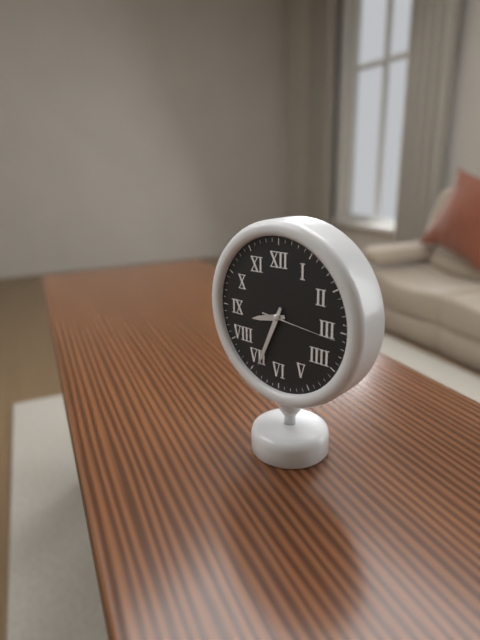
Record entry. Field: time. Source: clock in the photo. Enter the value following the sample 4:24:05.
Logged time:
8:34:16
